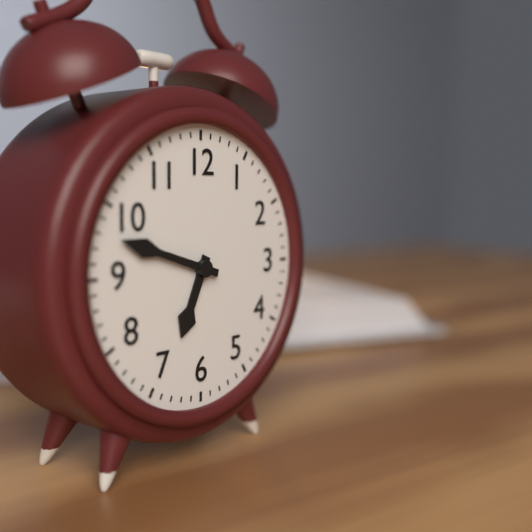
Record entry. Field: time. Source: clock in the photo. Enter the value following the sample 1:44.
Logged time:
6:48
